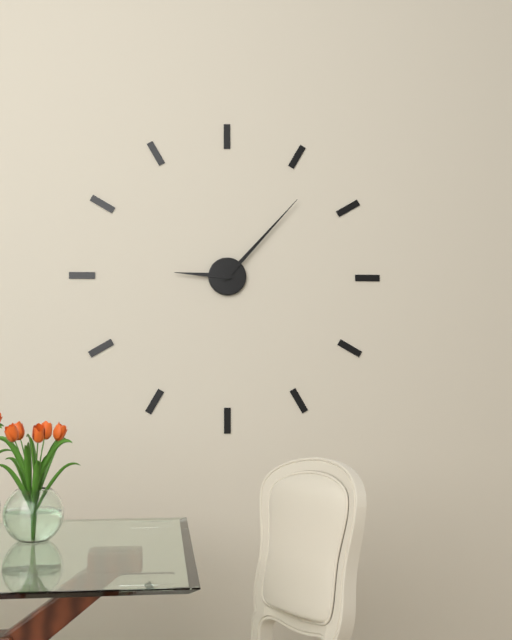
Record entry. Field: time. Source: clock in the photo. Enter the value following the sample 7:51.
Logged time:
9:07
